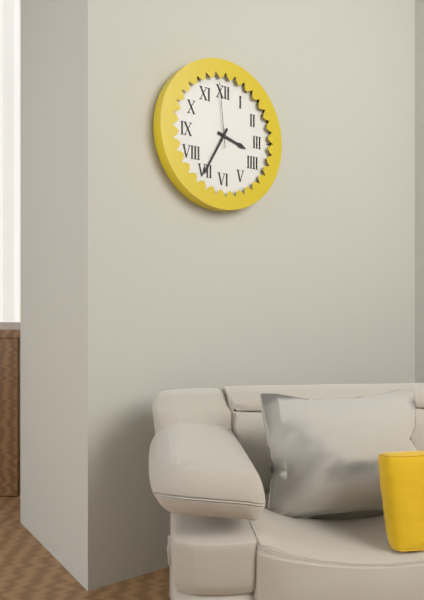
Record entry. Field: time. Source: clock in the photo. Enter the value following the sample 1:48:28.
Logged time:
3:35:59
